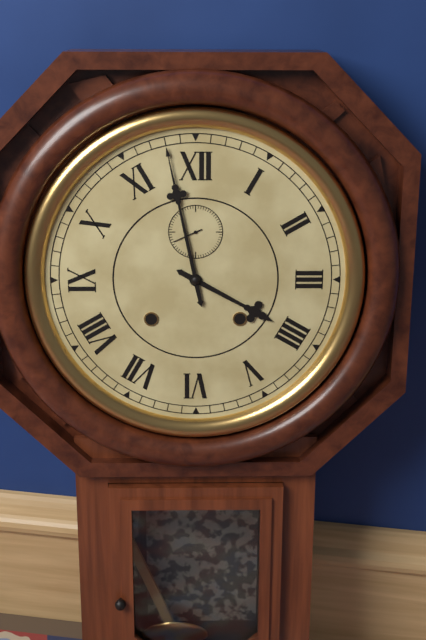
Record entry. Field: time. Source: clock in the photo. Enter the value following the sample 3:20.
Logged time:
3:58
